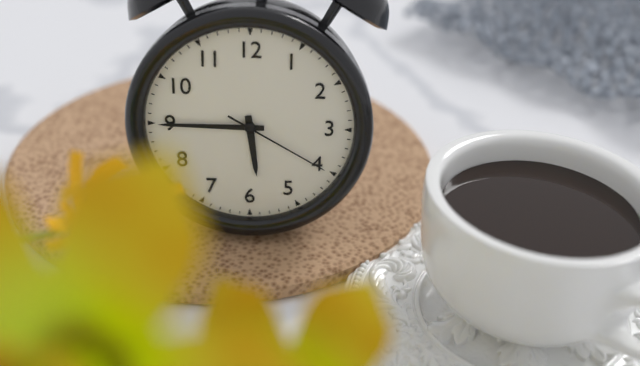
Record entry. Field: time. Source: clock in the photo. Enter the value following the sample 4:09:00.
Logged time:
5:45:20
